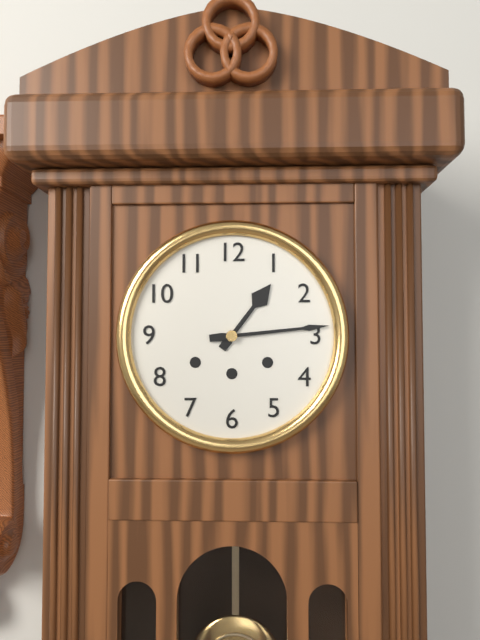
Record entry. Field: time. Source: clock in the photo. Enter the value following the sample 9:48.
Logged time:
1:14
